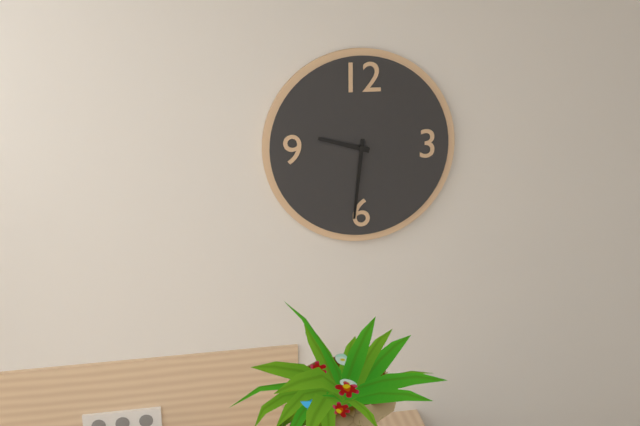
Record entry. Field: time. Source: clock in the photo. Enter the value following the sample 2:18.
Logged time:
9:31
